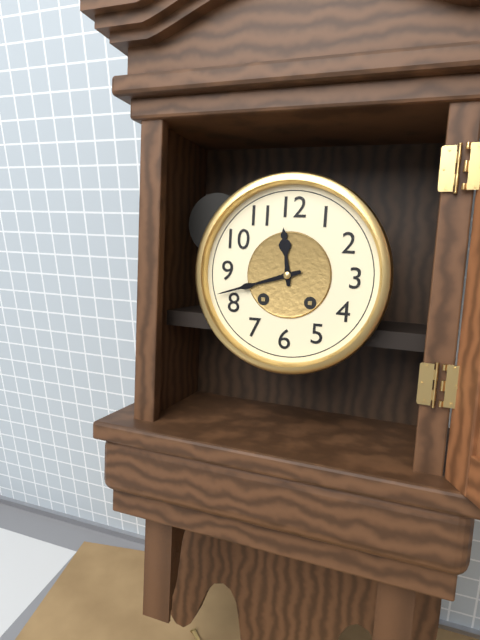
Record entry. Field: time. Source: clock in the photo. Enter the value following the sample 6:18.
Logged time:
11:42
